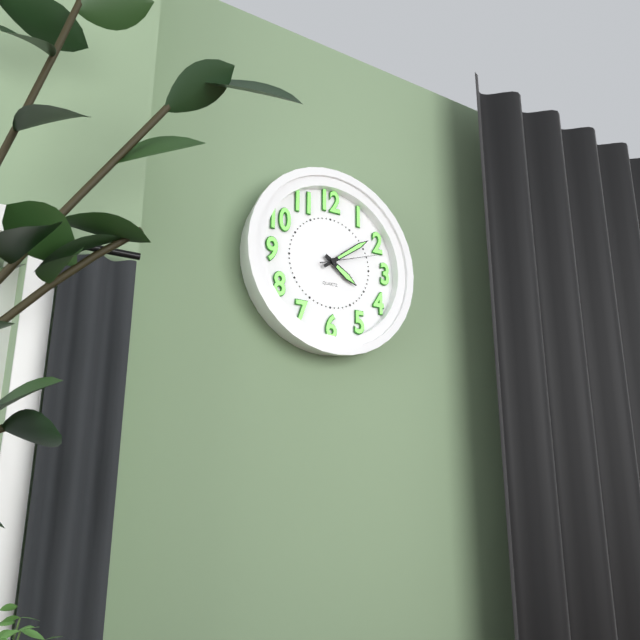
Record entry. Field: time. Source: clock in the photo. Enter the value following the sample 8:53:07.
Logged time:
4:09:12
